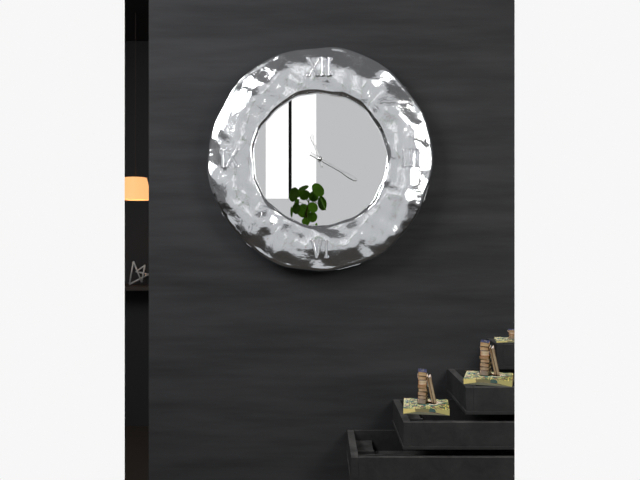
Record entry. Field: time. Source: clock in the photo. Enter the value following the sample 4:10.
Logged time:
11:20
